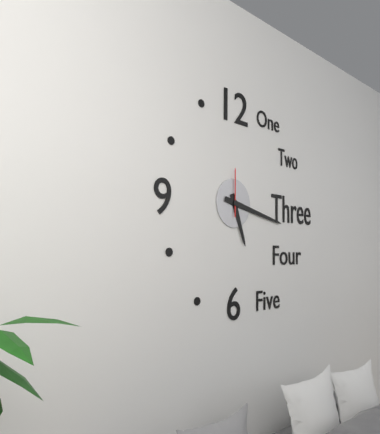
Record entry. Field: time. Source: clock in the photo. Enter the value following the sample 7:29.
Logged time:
5:17
